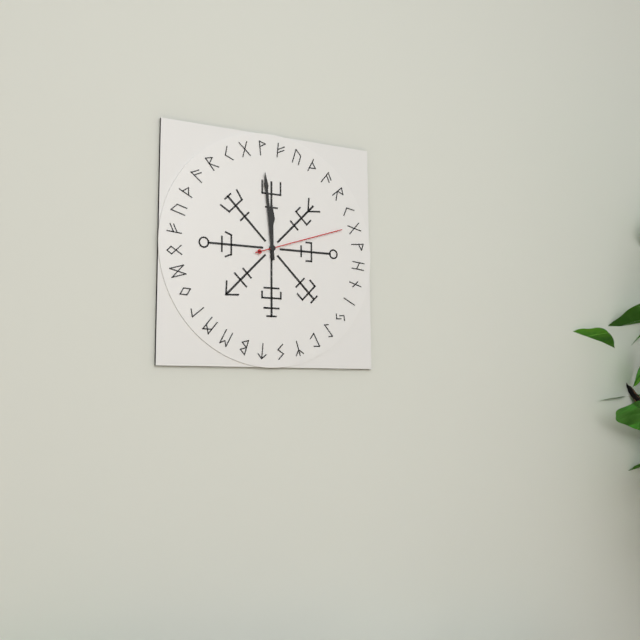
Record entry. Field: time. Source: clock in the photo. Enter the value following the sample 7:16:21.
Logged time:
11:59:12
